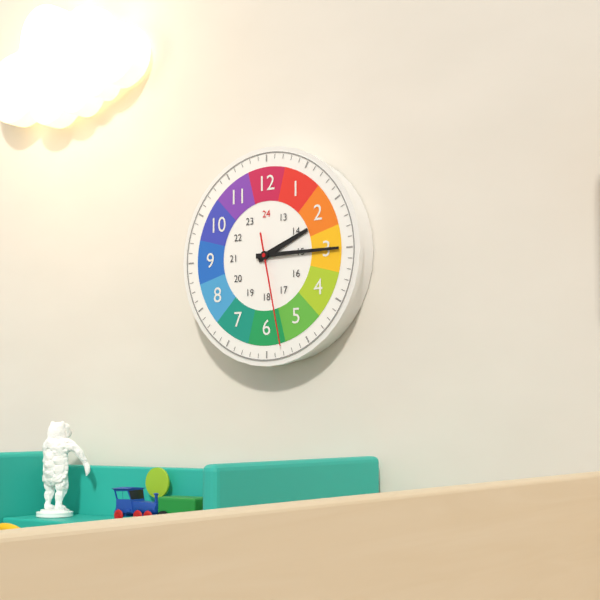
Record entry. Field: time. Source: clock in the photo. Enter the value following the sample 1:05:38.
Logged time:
2:15:28
